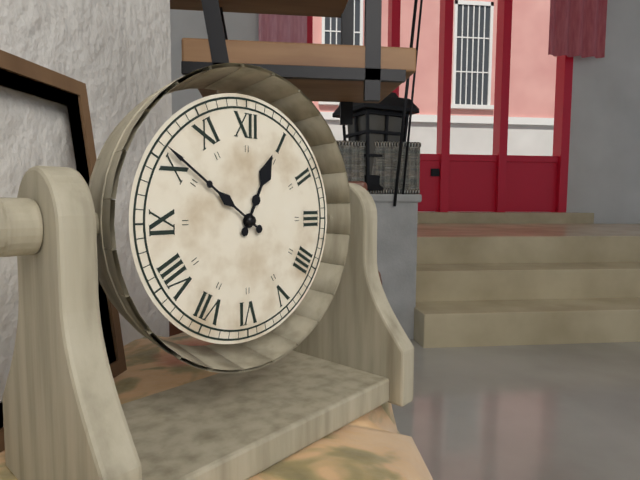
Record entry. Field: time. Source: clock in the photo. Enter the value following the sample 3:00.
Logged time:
12:51
